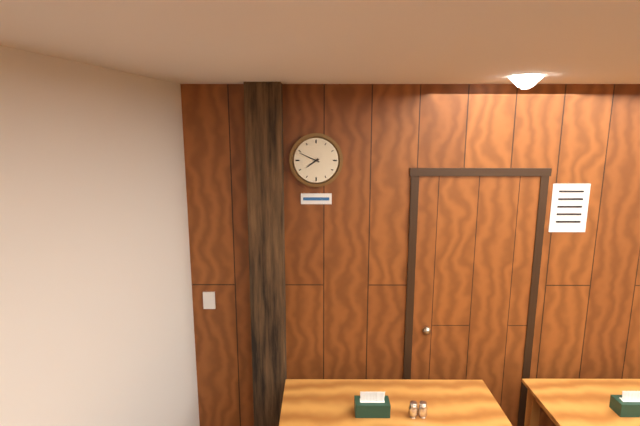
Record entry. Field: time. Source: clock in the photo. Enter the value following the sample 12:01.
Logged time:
7:49
